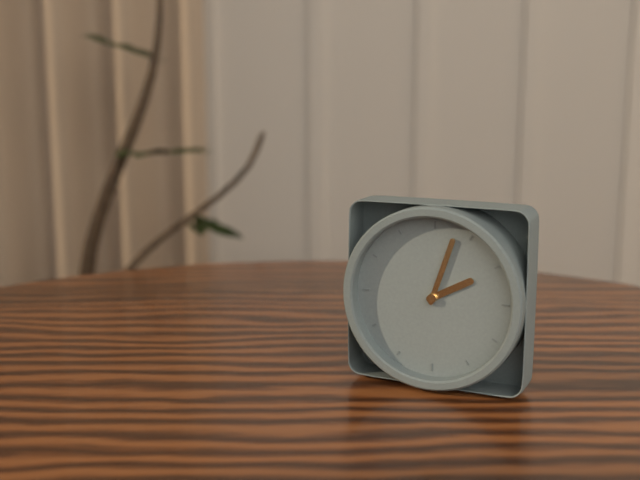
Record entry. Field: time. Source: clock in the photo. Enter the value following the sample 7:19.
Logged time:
2:03
